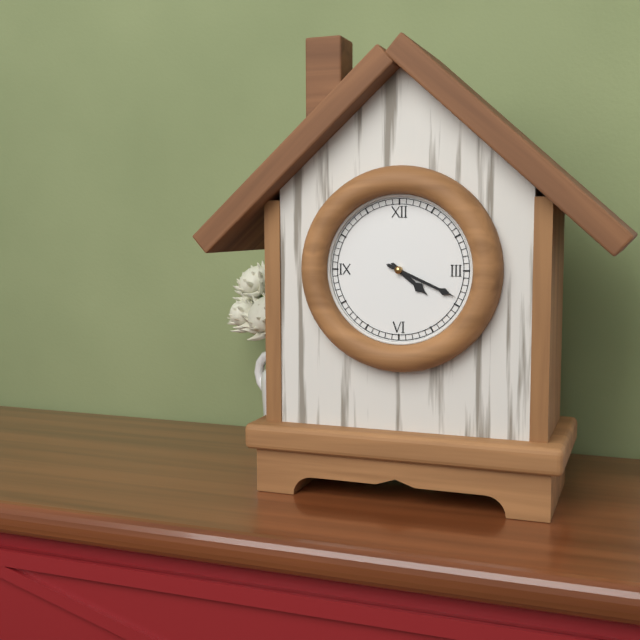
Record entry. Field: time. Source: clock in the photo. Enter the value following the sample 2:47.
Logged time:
4:19
